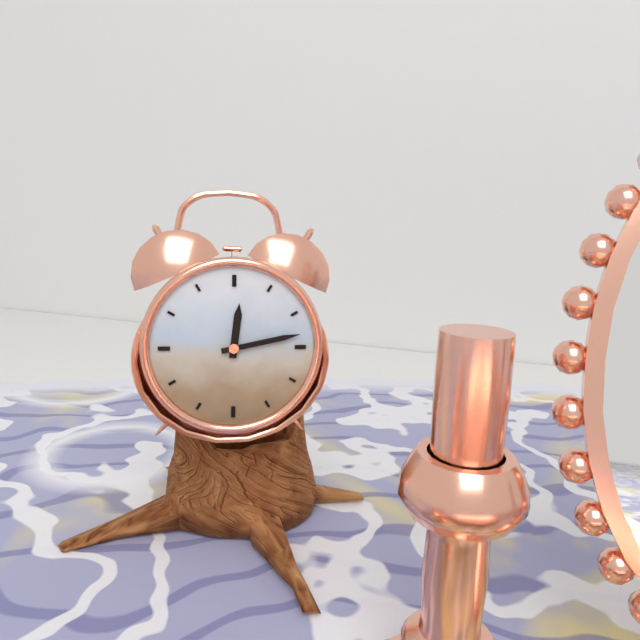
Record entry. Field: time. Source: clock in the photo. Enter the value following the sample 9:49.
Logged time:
12:13
